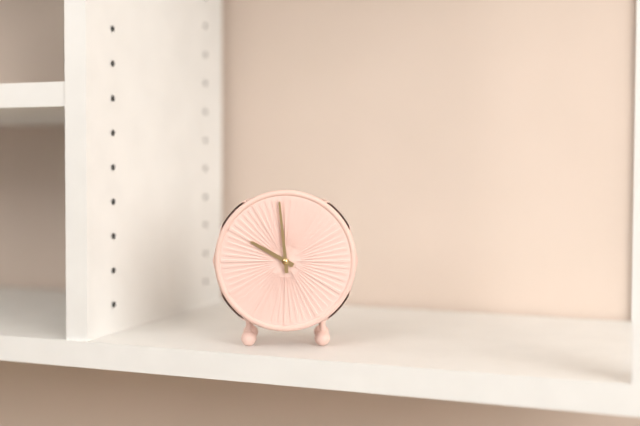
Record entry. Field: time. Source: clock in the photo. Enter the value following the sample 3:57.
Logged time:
9:59
